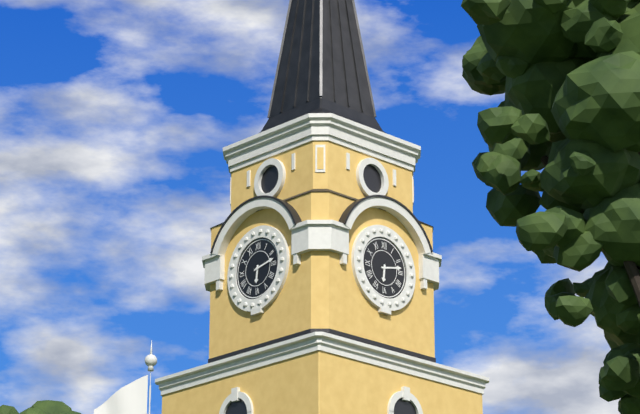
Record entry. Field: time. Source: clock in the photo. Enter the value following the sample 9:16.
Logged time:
6:13
